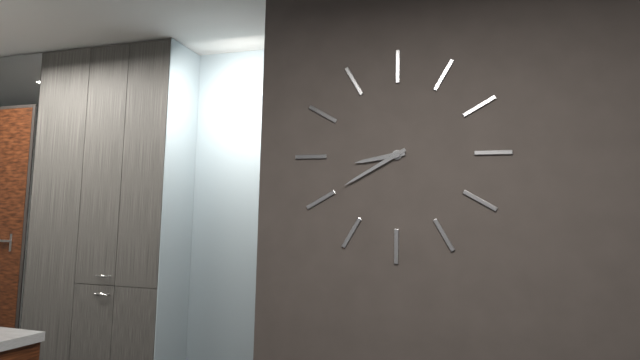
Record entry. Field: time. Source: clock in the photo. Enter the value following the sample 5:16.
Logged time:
8:40
